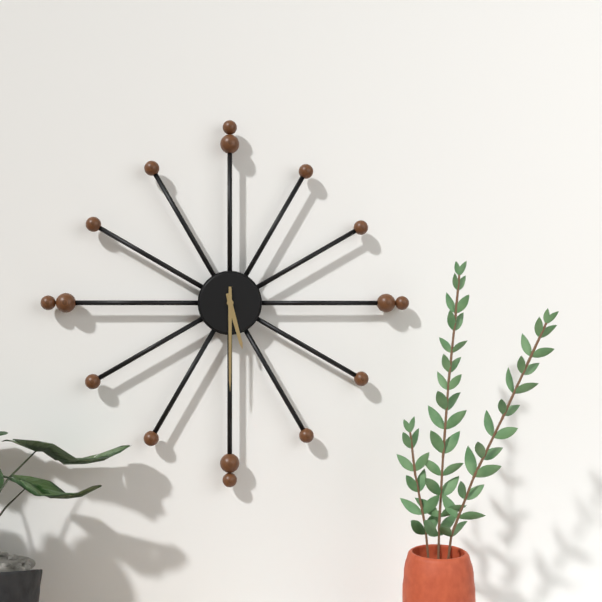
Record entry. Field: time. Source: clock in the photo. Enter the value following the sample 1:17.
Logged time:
5:30
